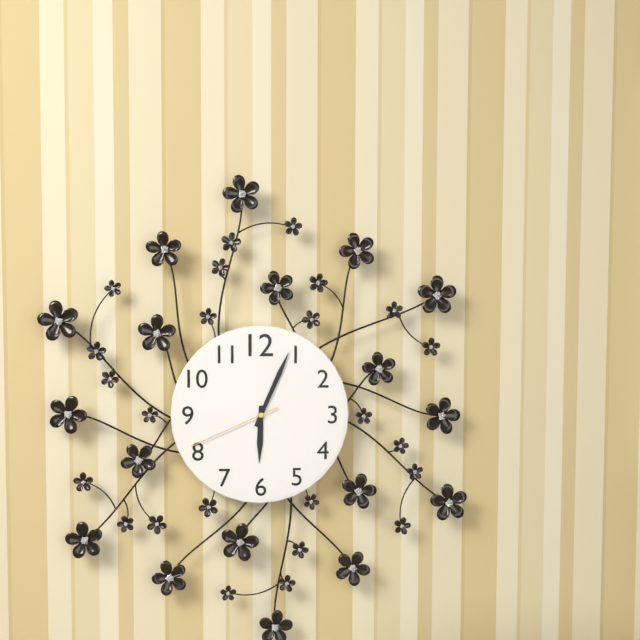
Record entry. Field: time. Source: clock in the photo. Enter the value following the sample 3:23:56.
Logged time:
6:04:41
